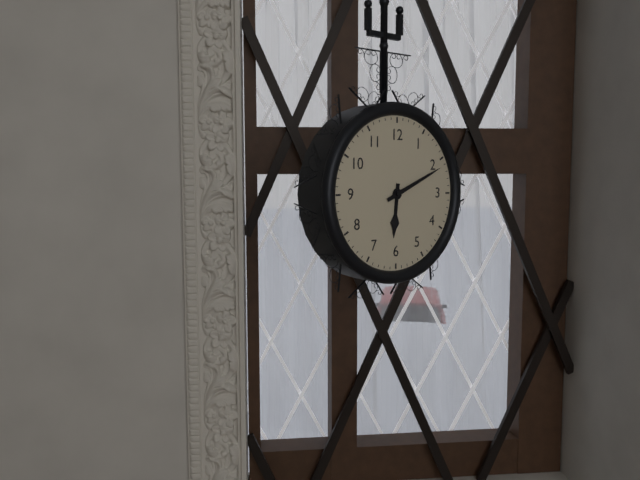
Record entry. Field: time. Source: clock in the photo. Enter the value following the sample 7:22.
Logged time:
6:11
